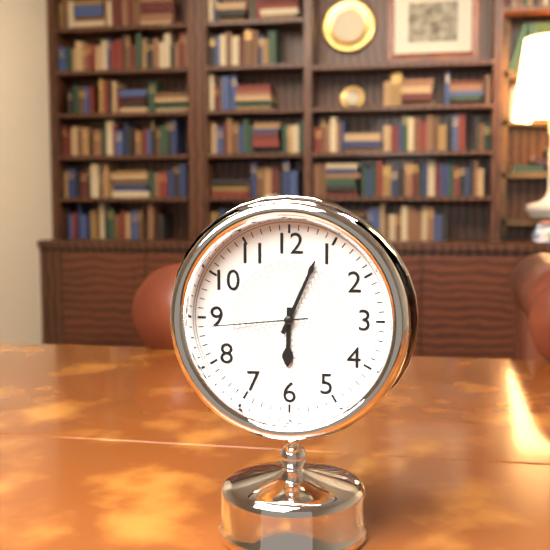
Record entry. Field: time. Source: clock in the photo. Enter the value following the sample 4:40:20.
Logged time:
6:04:44
